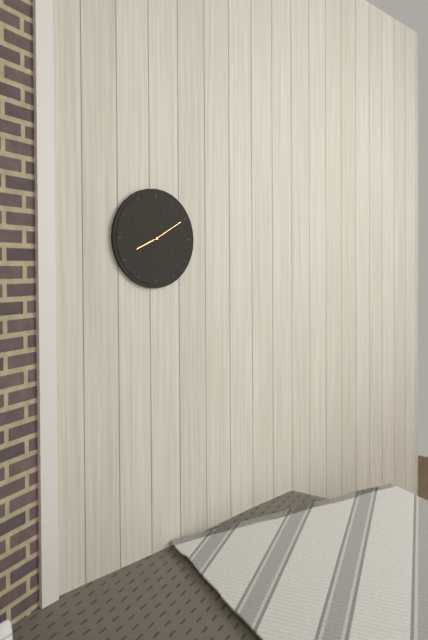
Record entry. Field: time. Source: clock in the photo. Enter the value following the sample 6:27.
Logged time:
8:10
